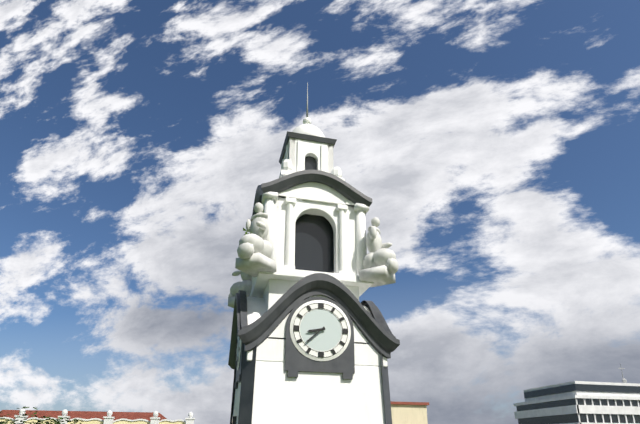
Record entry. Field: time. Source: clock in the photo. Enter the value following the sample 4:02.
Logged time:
8:38
